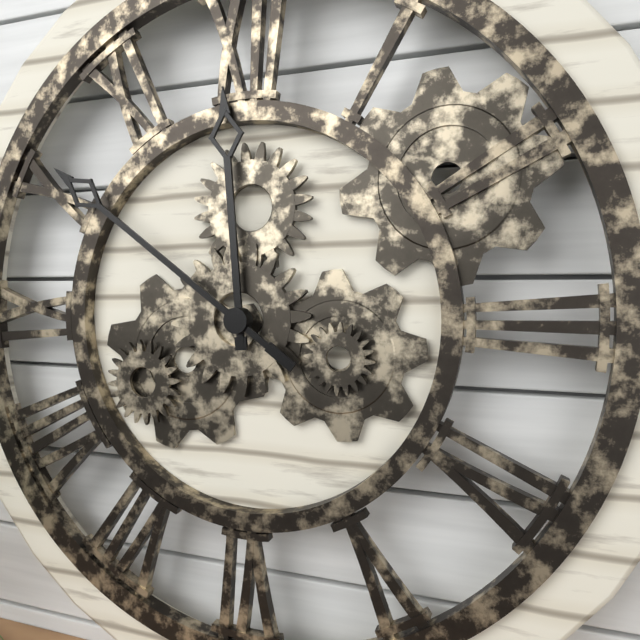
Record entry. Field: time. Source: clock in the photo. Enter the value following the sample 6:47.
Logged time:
11:51
